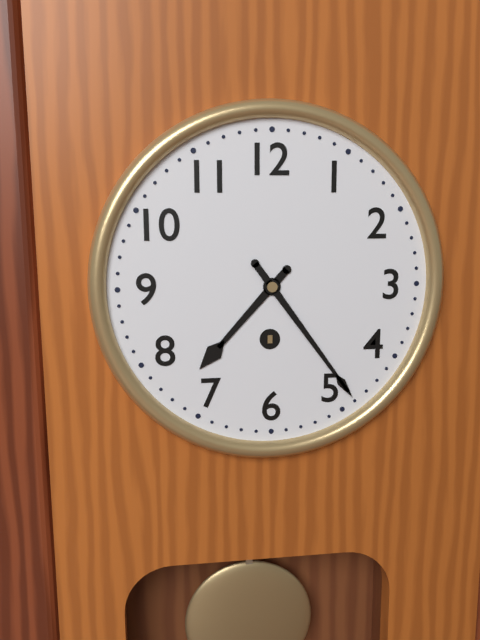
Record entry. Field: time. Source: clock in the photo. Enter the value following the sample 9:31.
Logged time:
7:24
